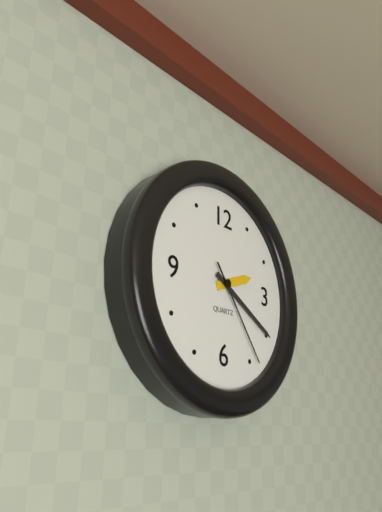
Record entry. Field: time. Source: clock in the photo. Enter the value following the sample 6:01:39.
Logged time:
2:20:24
